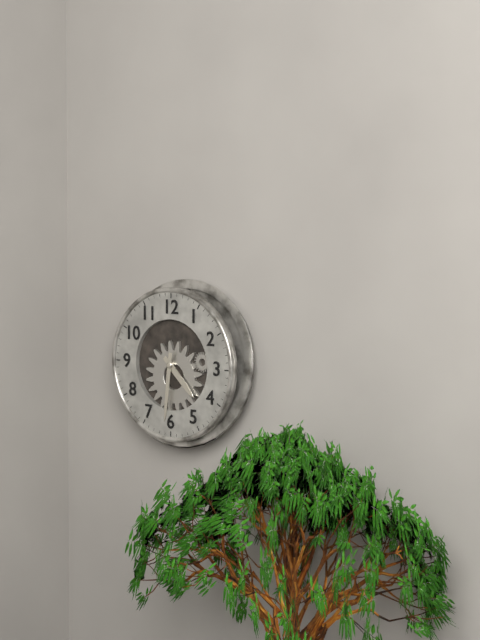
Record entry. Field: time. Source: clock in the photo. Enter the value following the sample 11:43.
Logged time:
4:31
